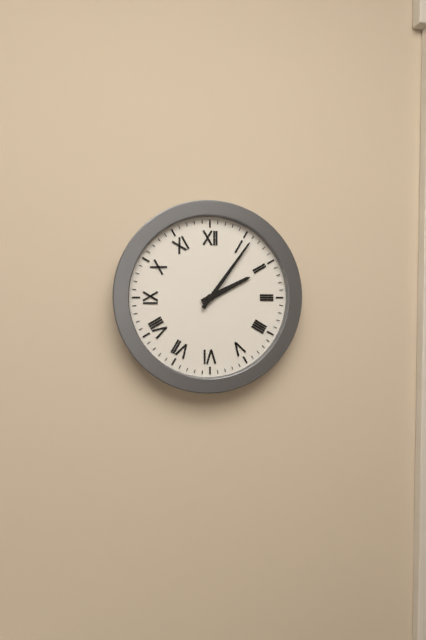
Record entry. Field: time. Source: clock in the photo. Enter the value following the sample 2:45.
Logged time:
2:06
